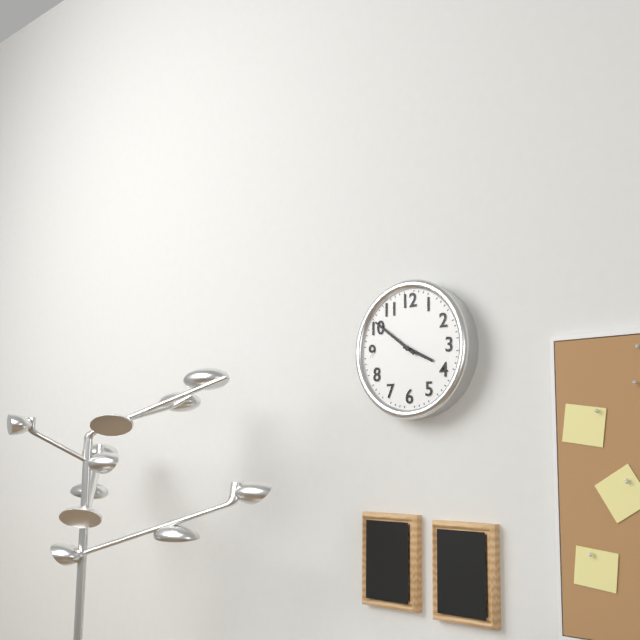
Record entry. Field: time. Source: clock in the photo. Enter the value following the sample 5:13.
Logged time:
3:51
